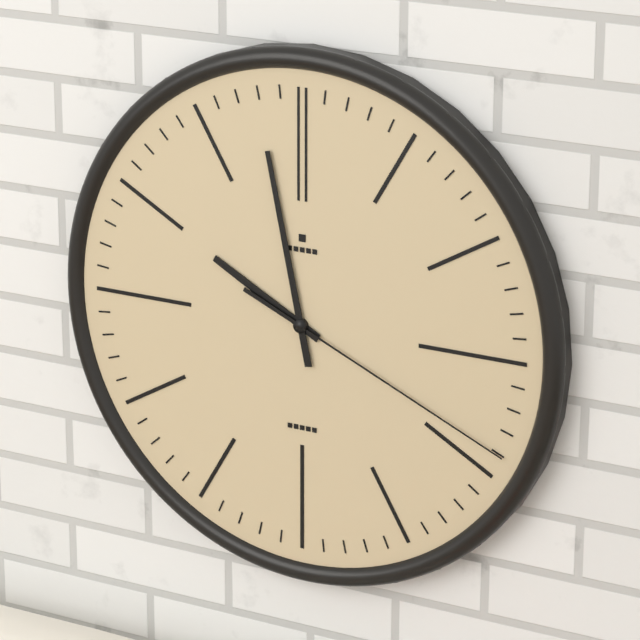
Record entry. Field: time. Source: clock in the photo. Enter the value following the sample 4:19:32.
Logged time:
9:58:19
